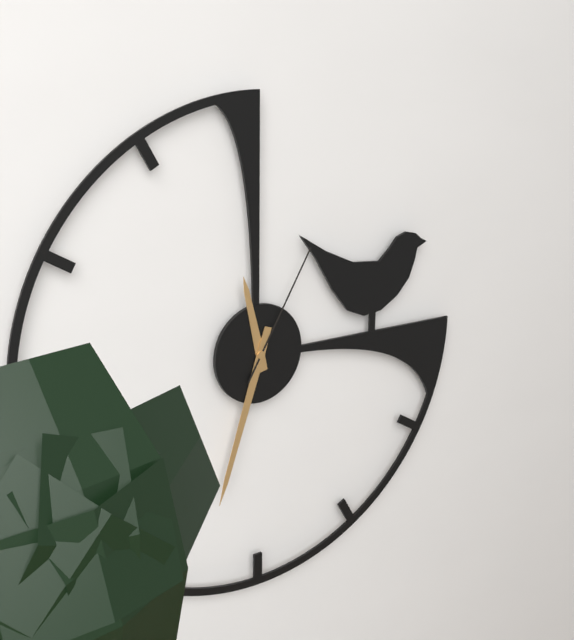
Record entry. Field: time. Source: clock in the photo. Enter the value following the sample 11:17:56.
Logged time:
11:33:05
